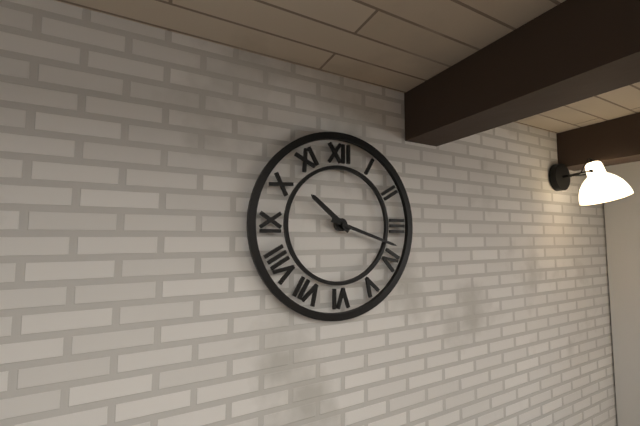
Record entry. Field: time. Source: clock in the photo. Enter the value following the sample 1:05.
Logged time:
10:18
